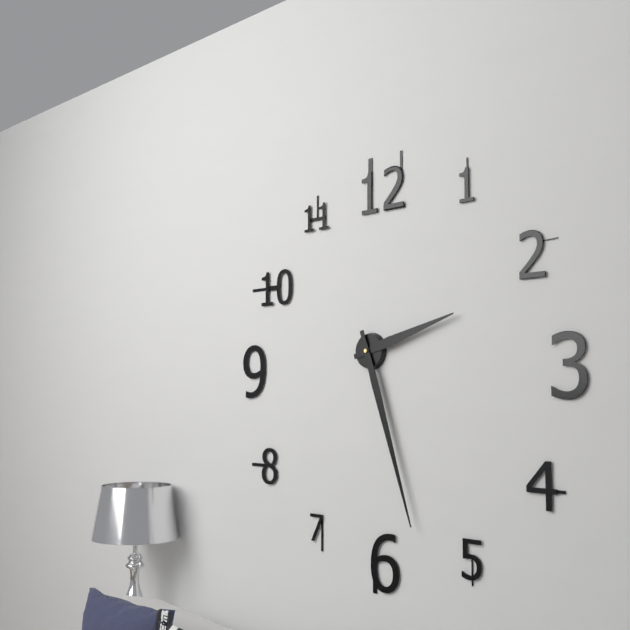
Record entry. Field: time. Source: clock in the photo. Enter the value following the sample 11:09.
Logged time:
2:27
